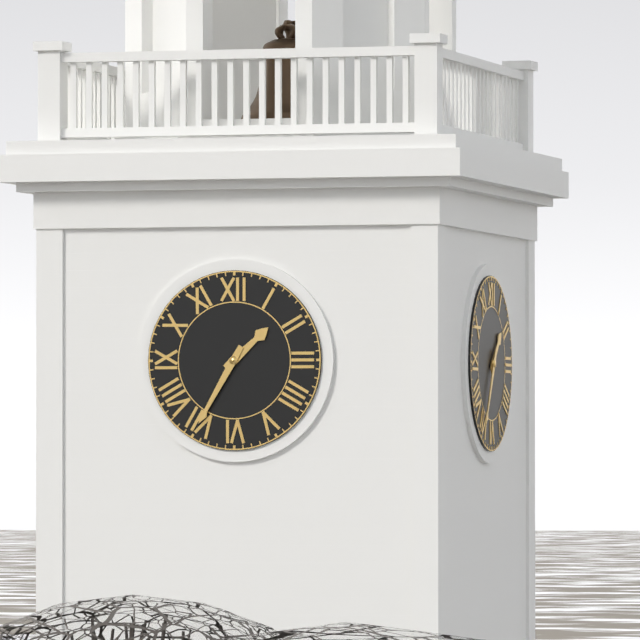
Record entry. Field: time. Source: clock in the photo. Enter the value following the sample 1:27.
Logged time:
1:35
